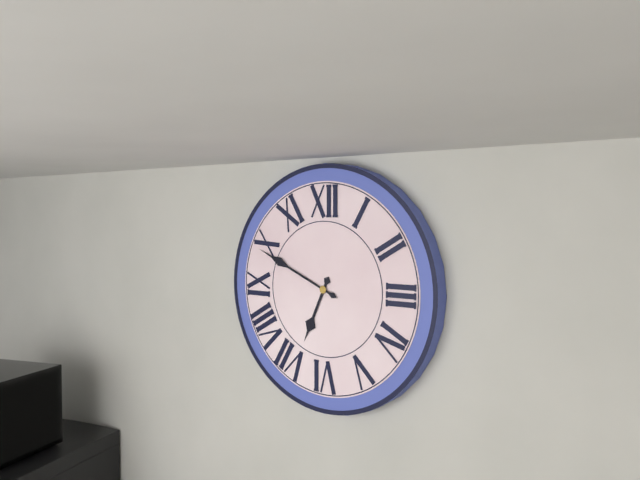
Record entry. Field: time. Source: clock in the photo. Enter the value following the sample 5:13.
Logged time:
6:49
